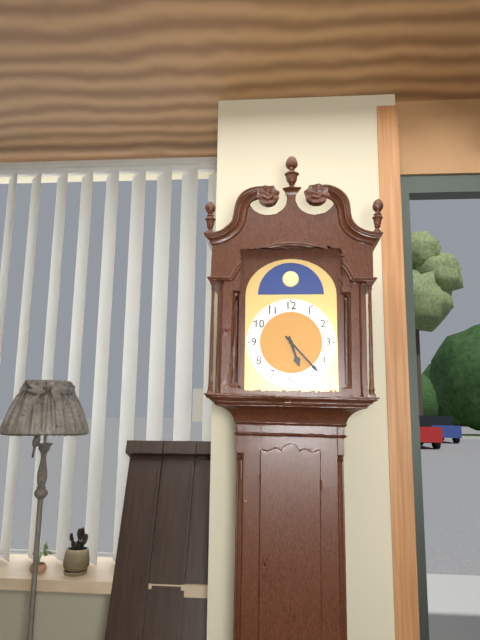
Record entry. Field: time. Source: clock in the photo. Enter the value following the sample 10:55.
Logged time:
5:23
